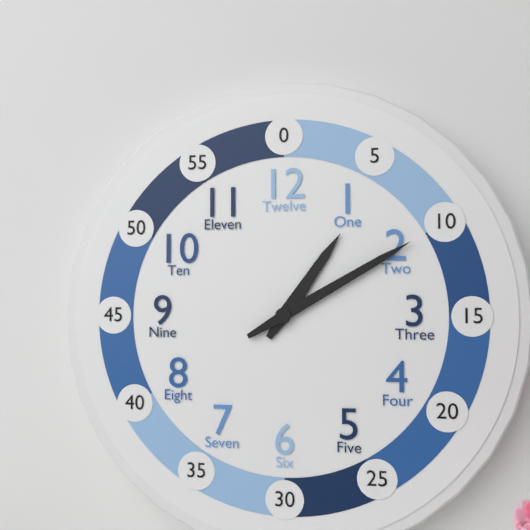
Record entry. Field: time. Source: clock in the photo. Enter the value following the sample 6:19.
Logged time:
1:10
